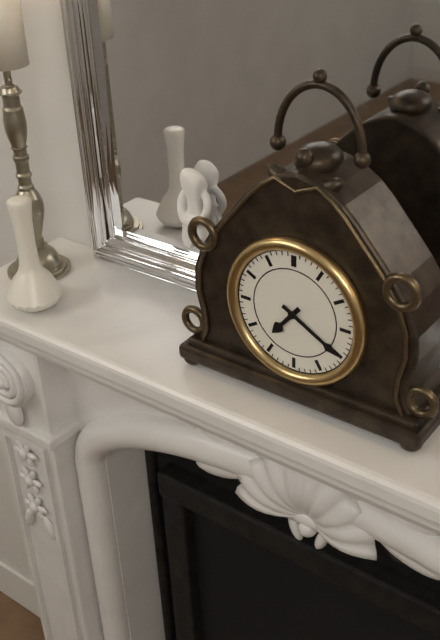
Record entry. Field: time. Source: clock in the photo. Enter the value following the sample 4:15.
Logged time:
7:20
